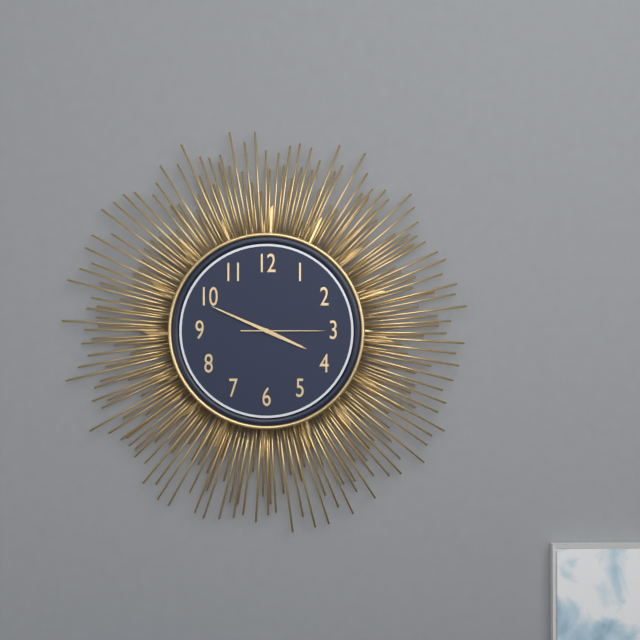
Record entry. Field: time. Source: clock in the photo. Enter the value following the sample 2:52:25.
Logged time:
3:49:15
